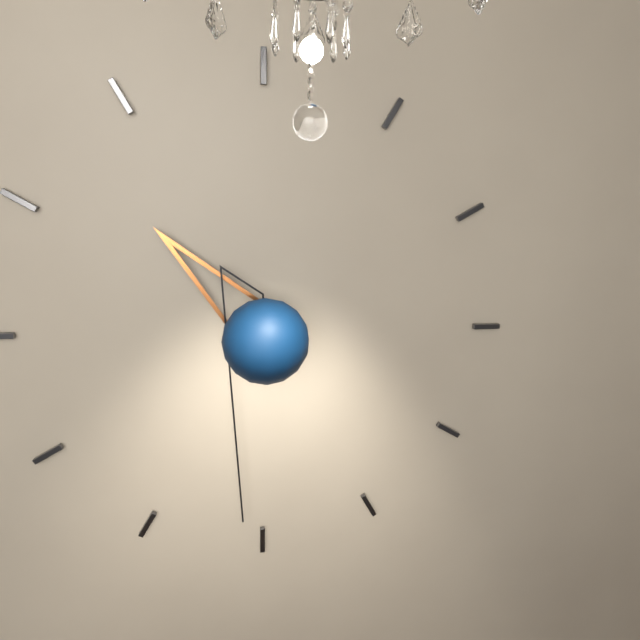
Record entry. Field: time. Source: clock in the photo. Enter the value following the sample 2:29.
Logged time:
10:31
